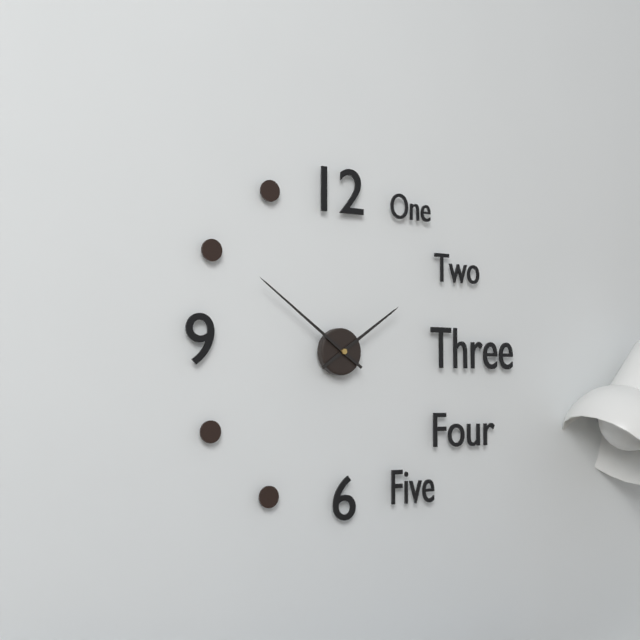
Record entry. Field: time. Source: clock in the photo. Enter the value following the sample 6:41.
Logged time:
1:51
